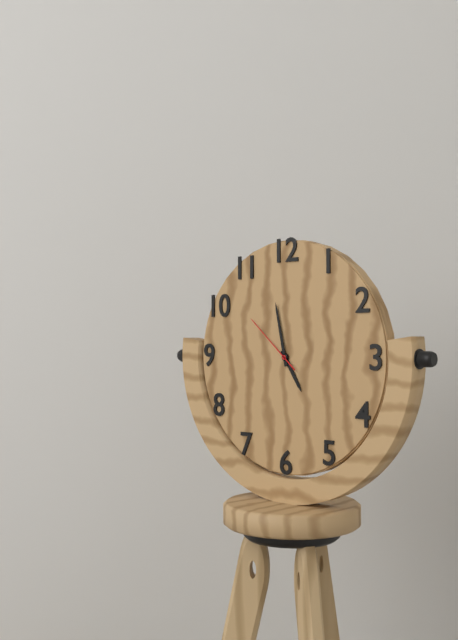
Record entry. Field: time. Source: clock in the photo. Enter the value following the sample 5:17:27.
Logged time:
4:58:52
